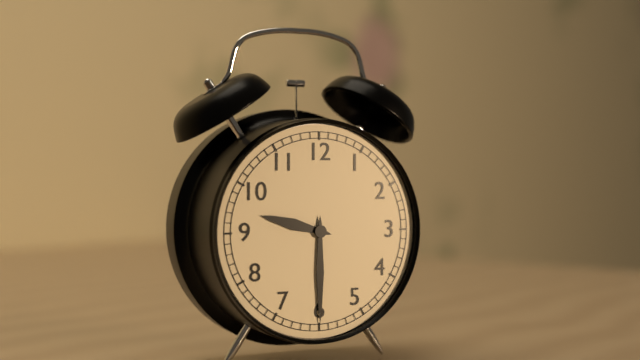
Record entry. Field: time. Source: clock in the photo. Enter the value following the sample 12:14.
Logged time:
9:30
